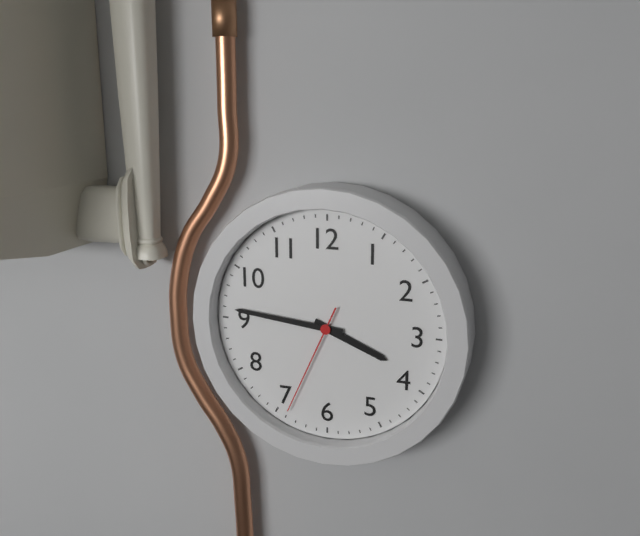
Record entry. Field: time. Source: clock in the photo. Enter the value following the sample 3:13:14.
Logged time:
3:46:34
